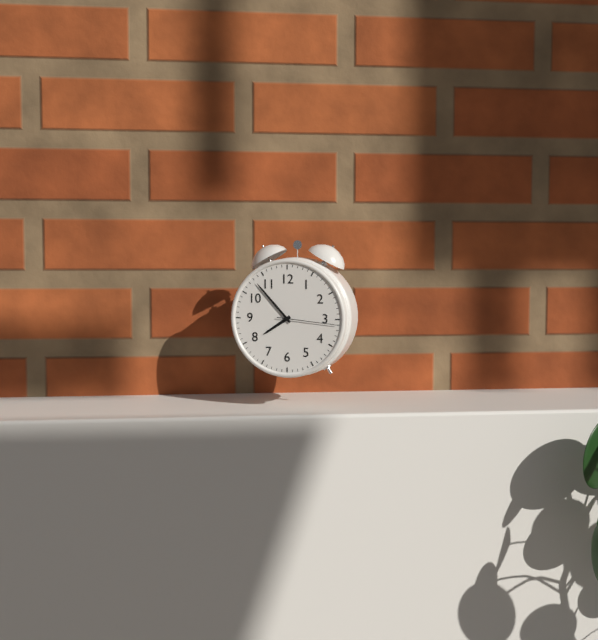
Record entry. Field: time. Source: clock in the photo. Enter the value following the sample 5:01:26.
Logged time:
7:53:16
